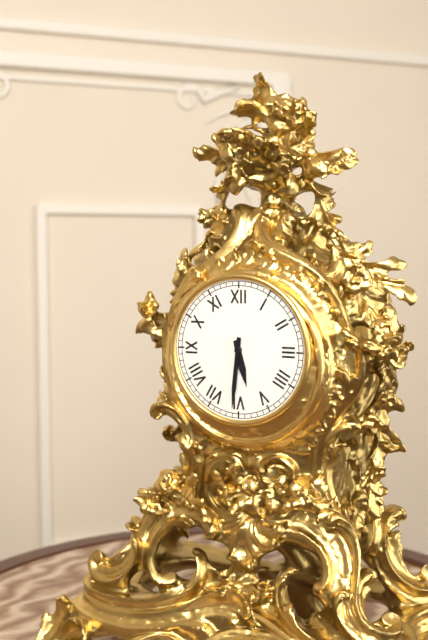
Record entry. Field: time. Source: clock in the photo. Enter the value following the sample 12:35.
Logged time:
5:31
